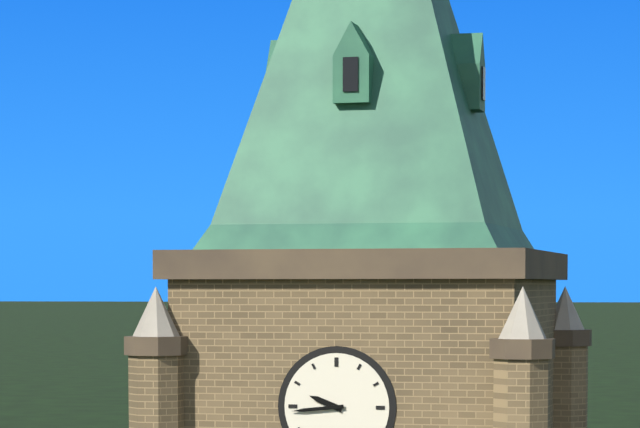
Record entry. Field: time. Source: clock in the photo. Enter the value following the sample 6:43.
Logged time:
9:44
